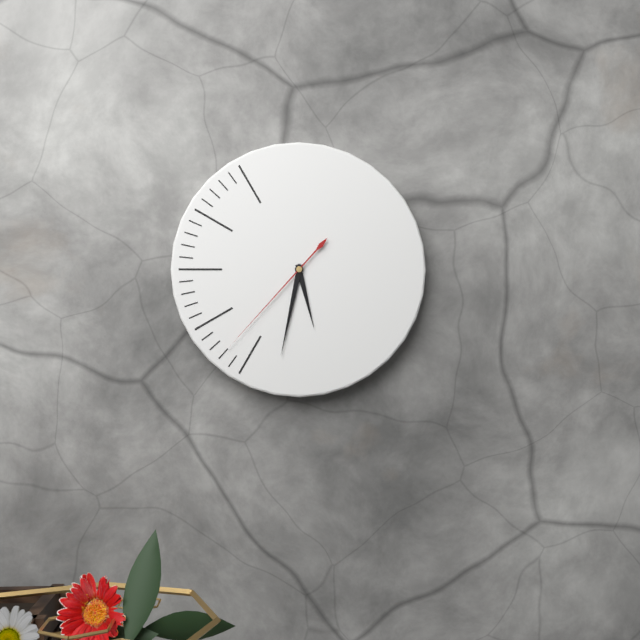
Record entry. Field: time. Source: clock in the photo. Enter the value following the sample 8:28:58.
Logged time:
5:32:37
